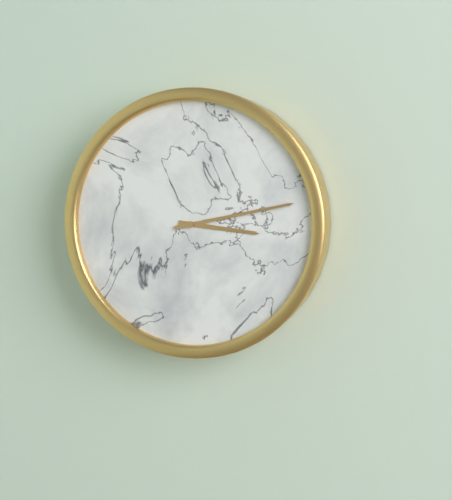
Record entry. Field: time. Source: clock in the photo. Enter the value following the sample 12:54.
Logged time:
3:13
